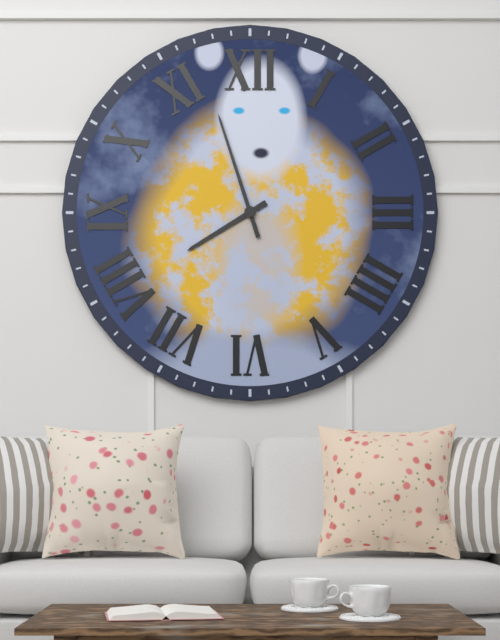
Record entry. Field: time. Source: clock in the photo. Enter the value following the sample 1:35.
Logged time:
7:57
